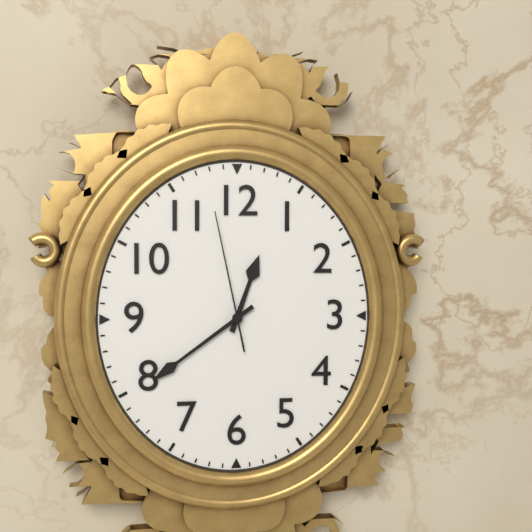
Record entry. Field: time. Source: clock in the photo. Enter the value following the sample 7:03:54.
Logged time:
12:39:58
